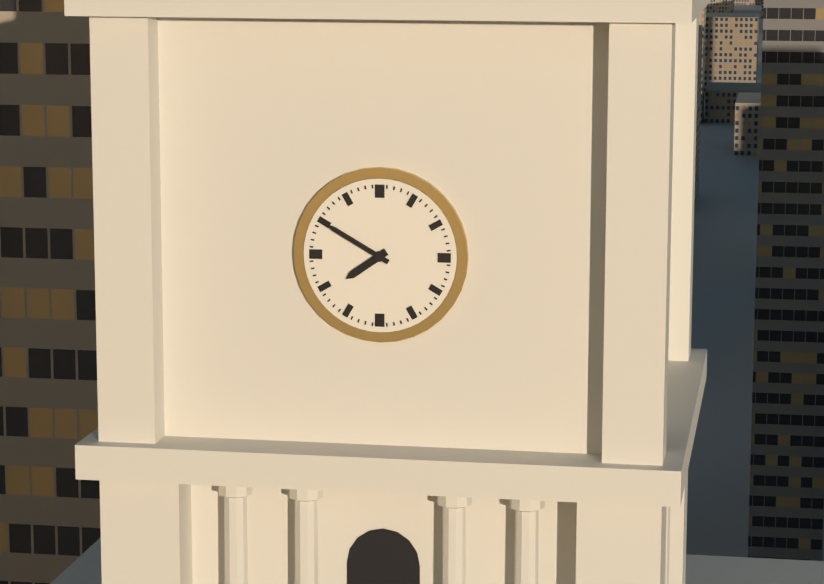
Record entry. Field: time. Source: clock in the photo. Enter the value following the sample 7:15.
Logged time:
7:50
